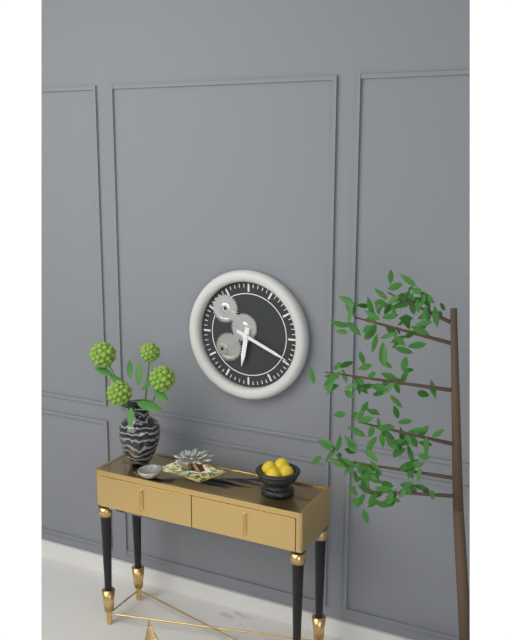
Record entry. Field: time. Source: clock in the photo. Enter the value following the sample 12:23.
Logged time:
6:19
